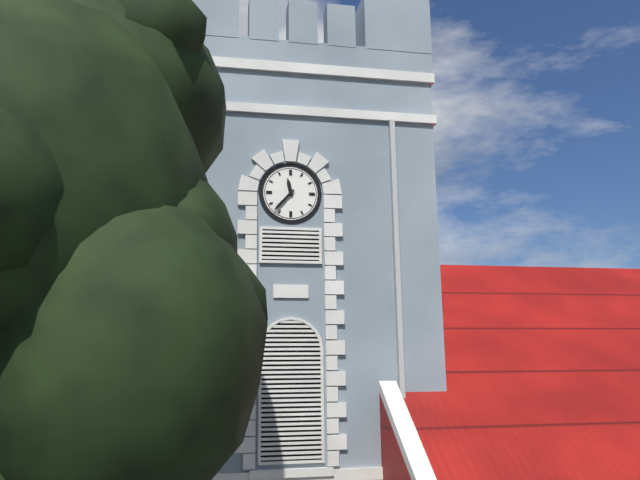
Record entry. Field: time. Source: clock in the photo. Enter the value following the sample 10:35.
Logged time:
11:37
